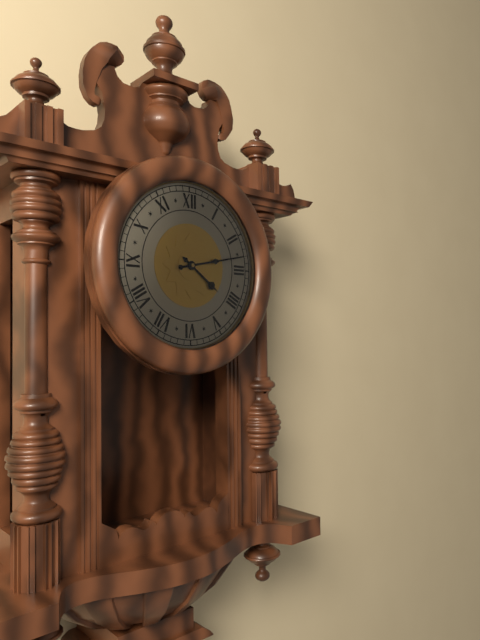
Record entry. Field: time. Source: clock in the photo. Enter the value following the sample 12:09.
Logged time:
4:13
